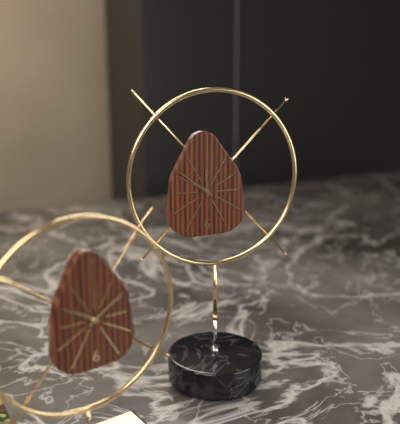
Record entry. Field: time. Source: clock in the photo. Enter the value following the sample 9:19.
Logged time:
11:51
